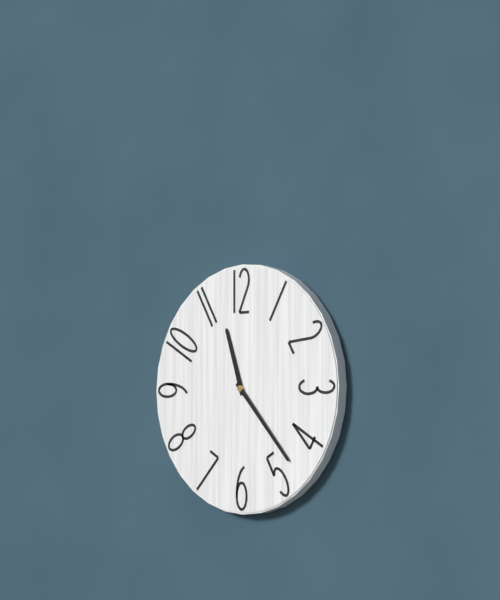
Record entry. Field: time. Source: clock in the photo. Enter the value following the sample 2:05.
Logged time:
11:23
